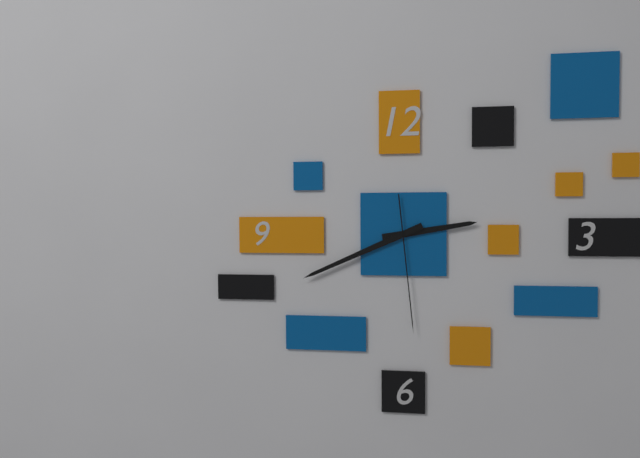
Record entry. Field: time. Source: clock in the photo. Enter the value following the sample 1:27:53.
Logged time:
2:41:29
